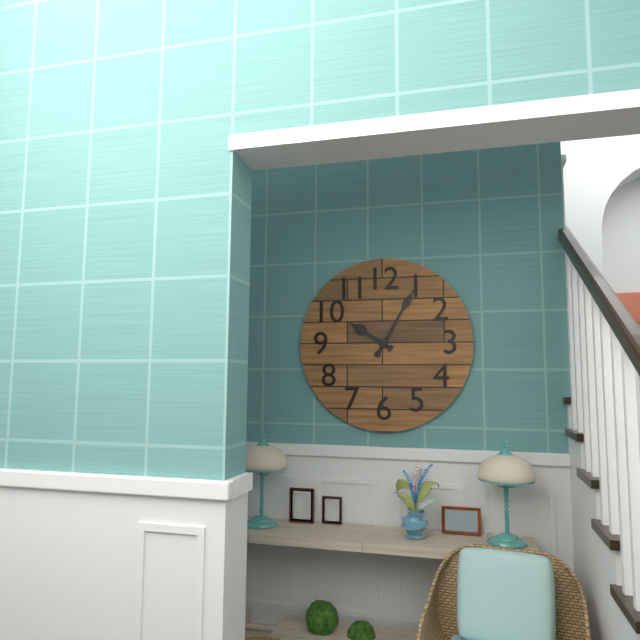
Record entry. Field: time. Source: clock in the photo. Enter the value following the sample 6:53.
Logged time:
10:05
